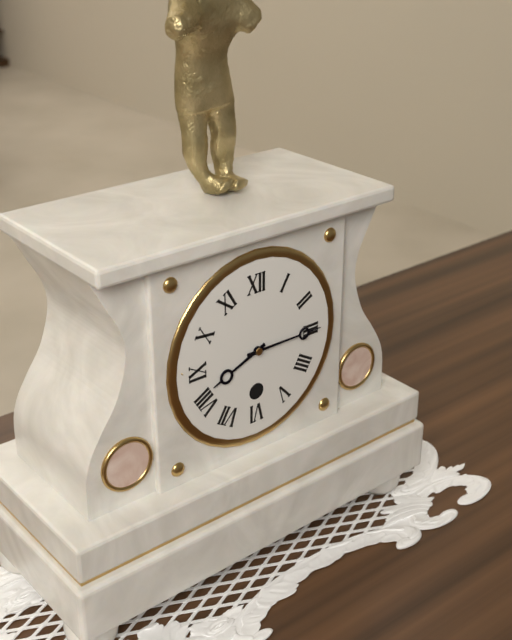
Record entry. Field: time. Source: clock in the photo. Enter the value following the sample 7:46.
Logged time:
8:15
